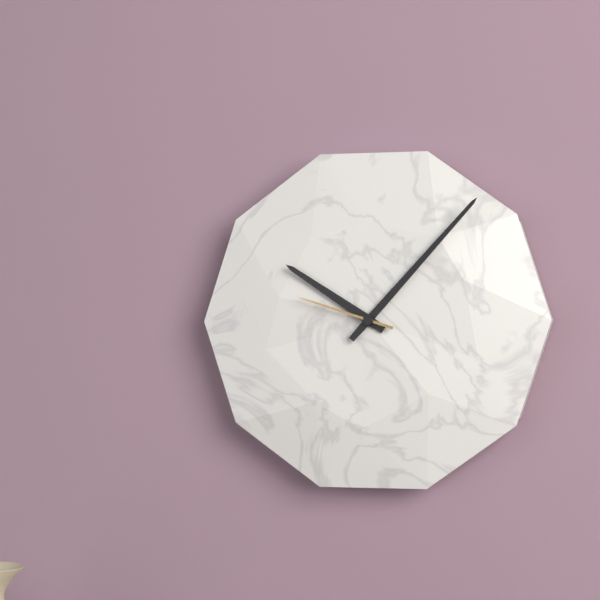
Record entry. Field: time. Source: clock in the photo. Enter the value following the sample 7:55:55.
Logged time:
10:07:48
